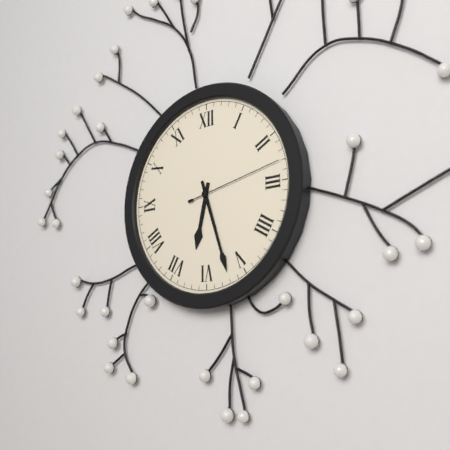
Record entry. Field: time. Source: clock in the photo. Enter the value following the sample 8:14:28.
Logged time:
6:27:13
